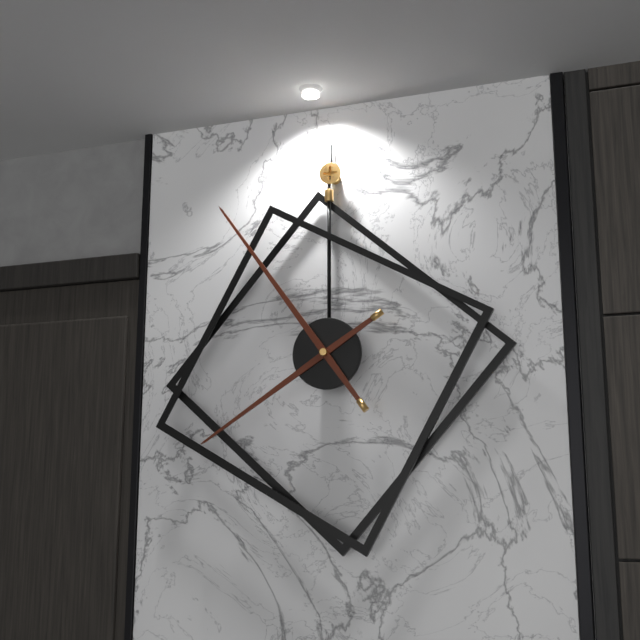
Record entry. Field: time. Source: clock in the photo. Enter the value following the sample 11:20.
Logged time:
7:54
